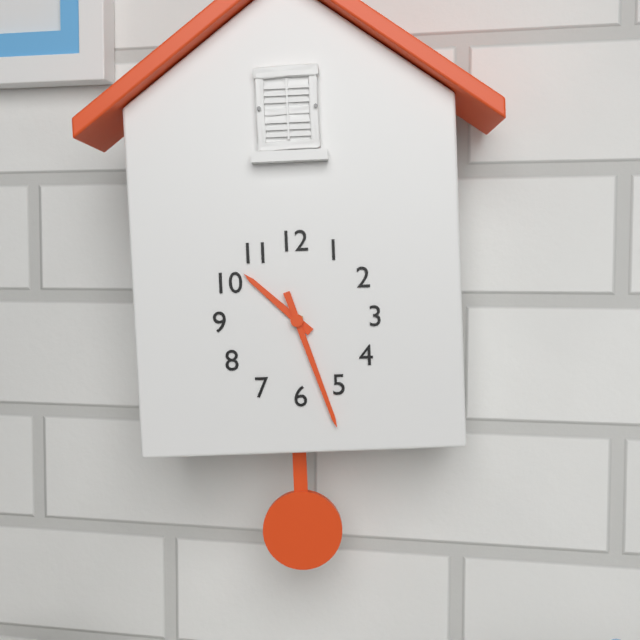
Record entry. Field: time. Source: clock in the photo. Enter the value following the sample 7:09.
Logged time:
10:27
